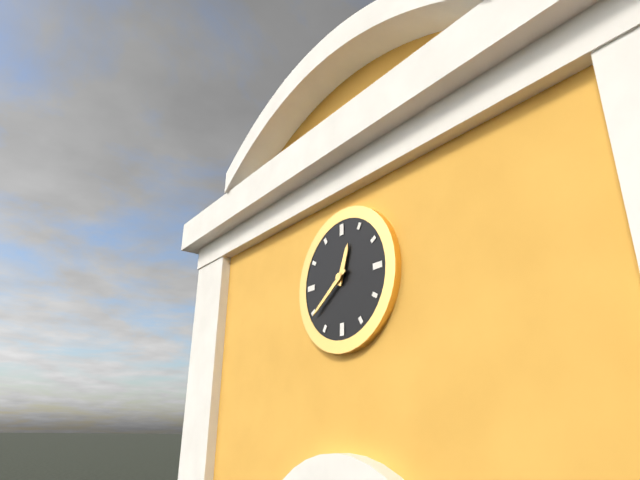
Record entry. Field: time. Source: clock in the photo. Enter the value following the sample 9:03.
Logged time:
12:39
